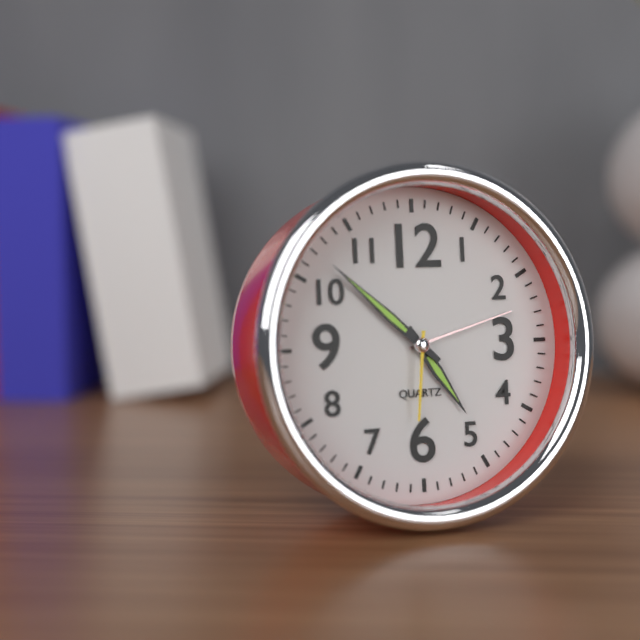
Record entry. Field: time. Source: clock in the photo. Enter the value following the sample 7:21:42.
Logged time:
4:52:31
